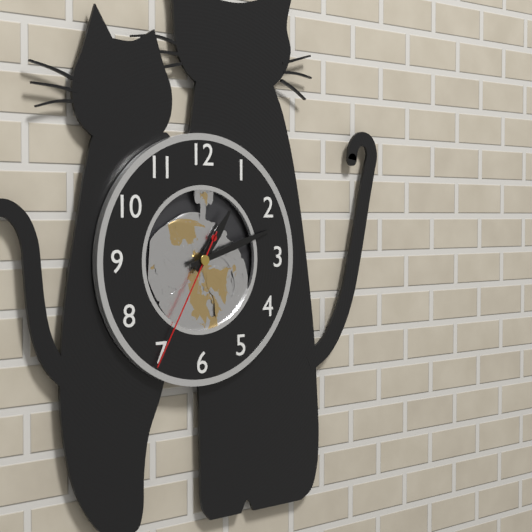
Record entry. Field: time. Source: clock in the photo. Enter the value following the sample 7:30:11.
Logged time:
1:12:35
